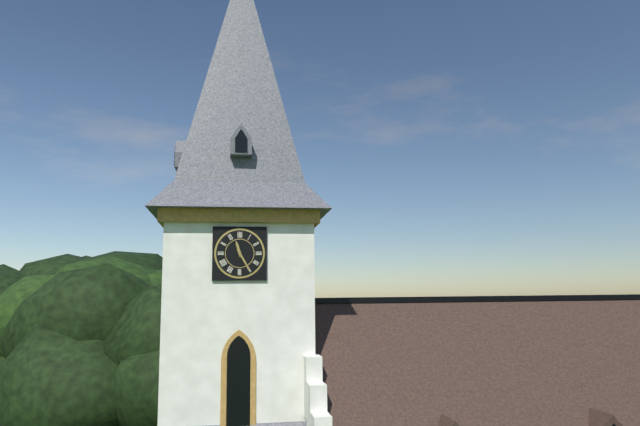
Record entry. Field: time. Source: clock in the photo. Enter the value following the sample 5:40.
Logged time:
11:25
